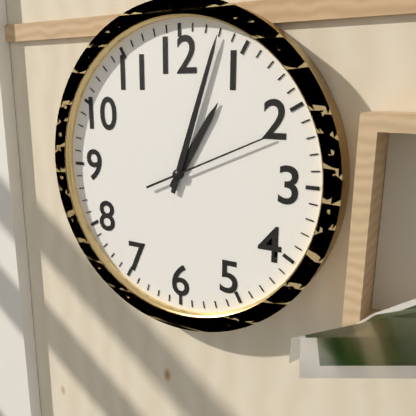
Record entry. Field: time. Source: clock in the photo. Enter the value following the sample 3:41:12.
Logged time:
1:03:11
